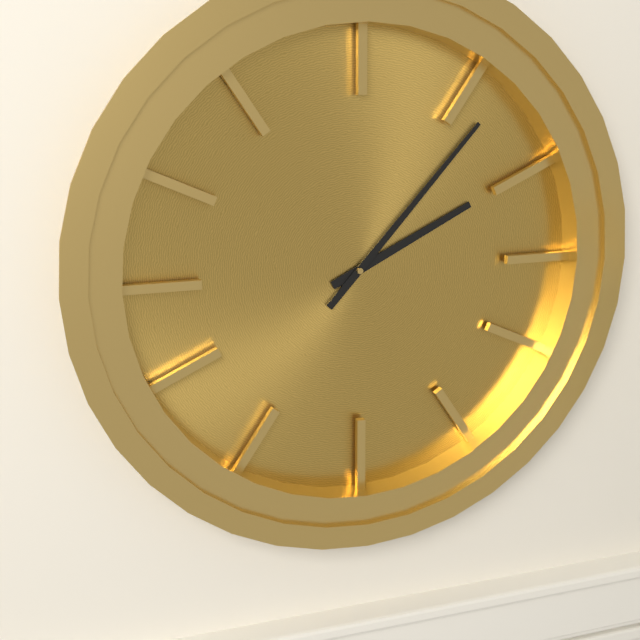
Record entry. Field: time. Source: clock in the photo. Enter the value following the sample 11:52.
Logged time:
2:07
